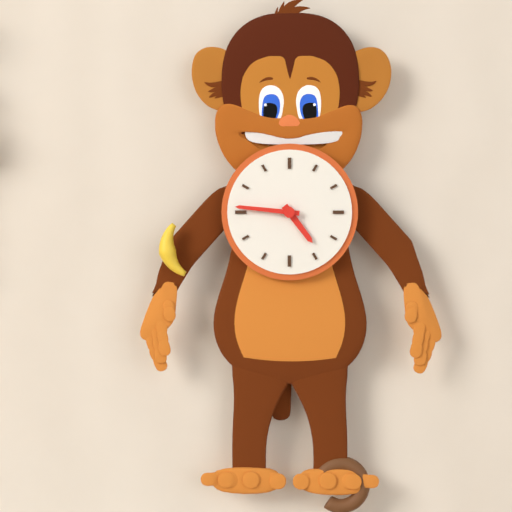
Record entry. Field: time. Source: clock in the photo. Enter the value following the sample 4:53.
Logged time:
4:46
